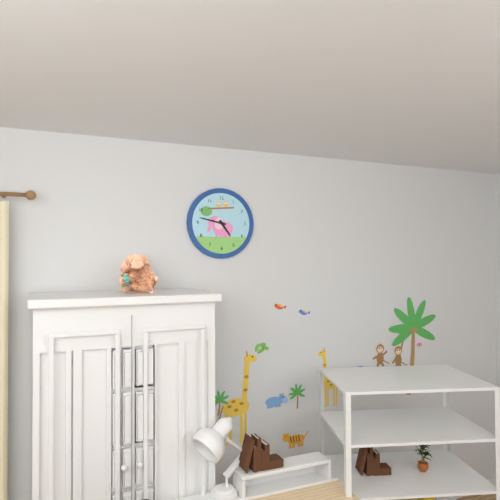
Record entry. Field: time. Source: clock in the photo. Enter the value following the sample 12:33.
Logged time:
4:47
